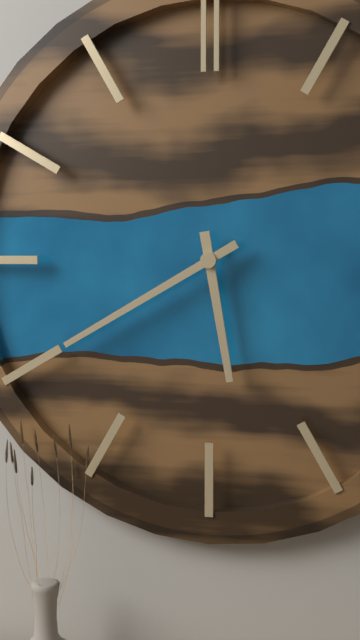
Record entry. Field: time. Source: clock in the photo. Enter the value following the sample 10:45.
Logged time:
5:40
